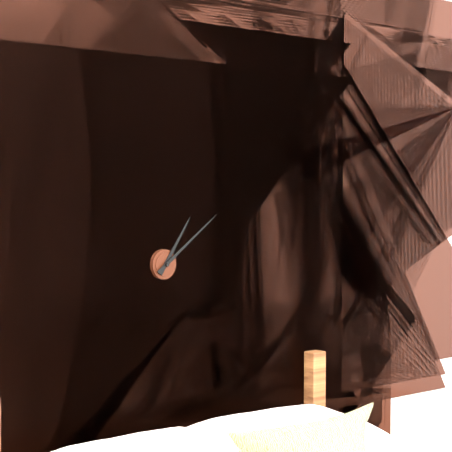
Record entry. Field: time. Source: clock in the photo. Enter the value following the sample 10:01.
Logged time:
1:09
